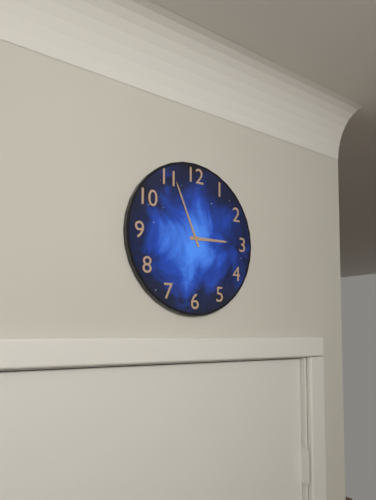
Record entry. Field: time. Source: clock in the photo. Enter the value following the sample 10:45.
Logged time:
2:56
